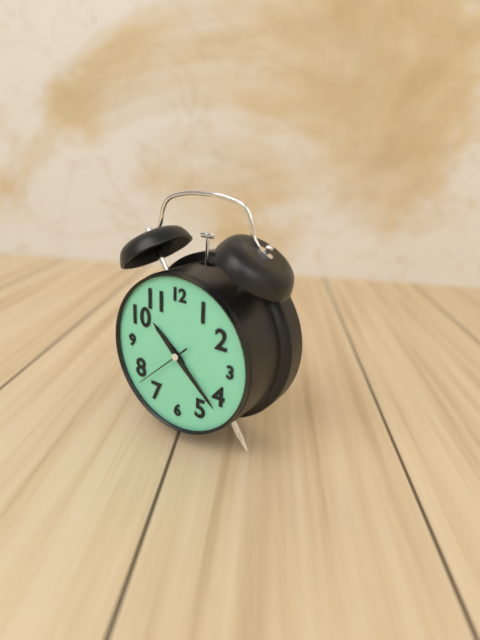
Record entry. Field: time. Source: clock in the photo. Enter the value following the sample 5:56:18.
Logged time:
10:22:38
